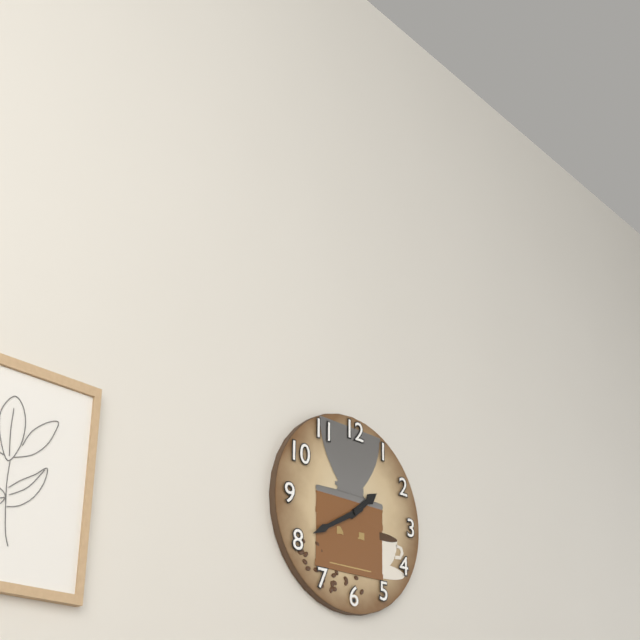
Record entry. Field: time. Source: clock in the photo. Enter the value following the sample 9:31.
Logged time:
1:40
